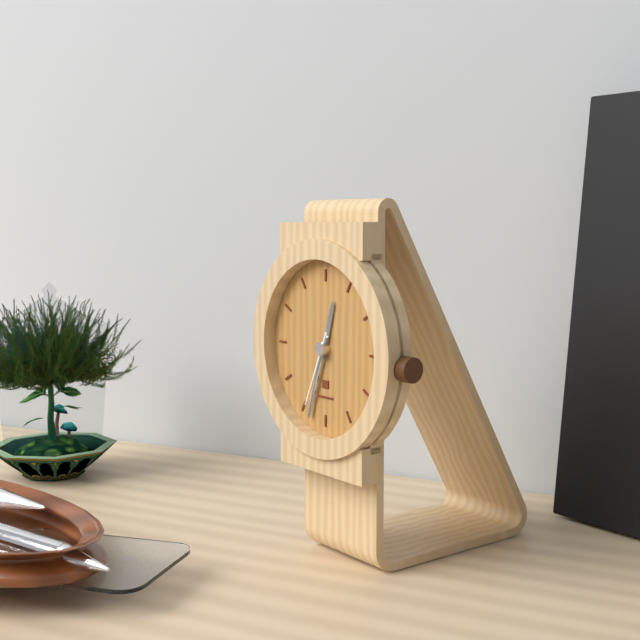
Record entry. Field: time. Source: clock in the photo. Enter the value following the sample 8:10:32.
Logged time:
12:33:34
